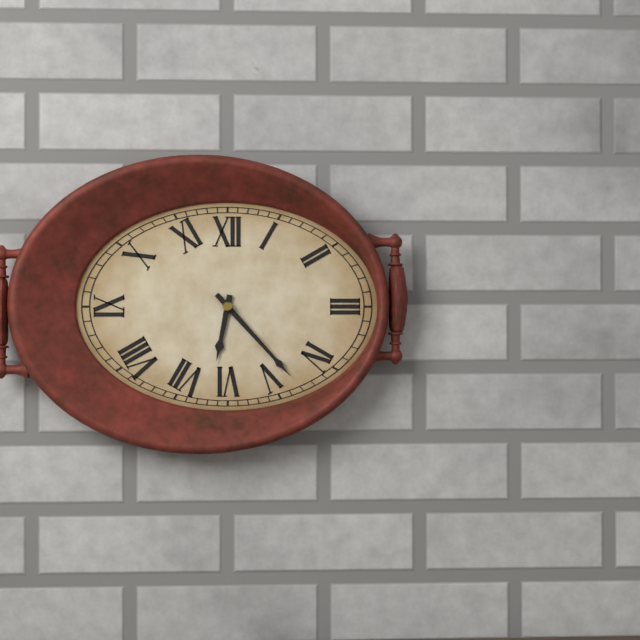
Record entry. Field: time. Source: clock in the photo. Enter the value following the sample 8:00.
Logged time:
6:23
